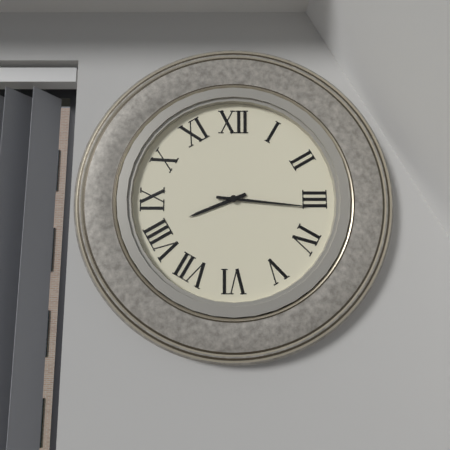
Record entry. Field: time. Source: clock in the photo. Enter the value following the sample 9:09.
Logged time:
8:16
